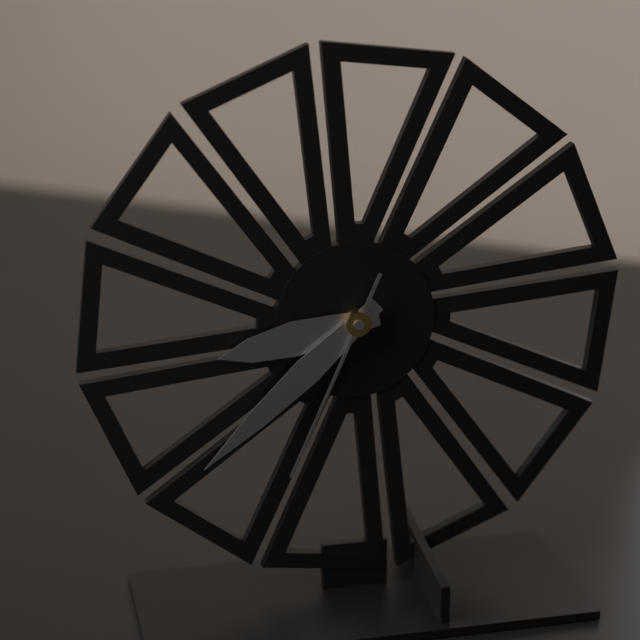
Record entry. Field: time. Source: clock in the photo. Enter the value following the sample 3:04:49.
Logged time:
8:38:34
